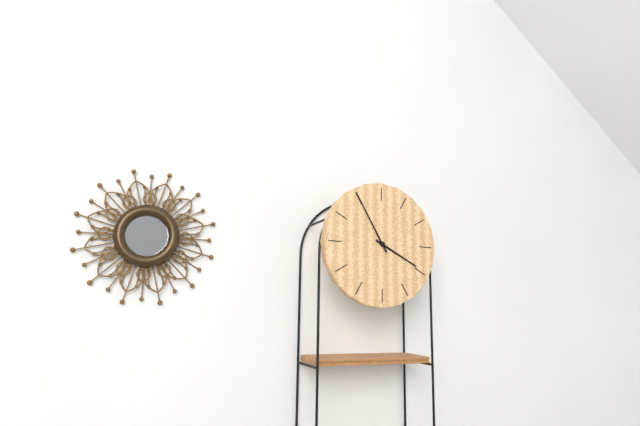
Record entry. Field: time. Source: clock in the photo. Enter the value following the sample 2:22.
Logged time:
3:55
